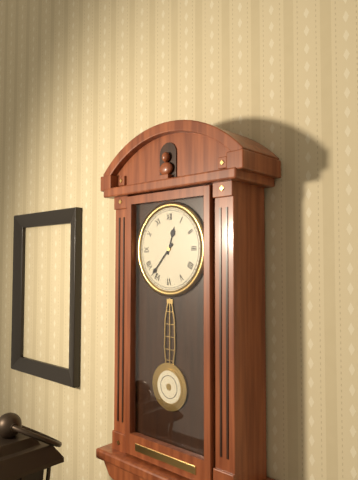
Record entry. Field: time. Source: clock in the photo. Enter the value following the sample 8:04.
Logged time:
12:37
